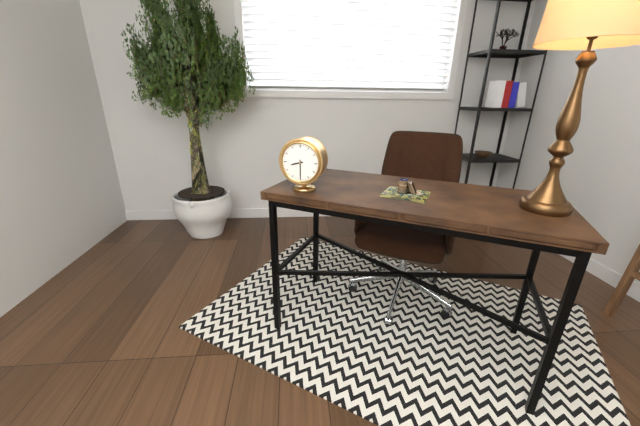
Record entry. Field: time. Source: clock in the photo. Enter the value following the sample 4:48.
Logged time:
8:30
